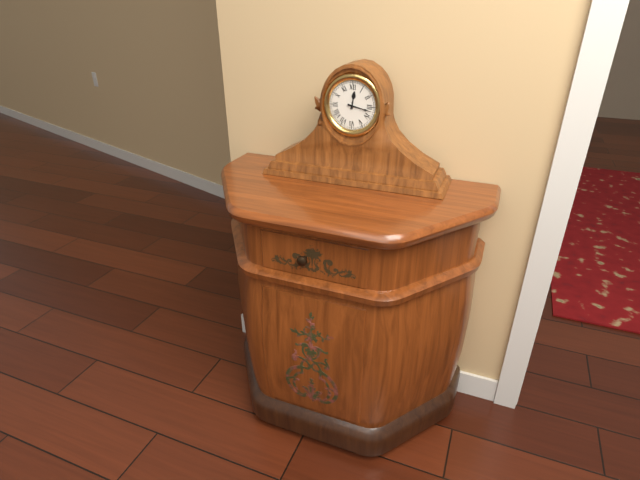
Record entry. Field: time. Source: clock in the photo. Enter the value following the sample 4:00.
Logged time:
12:17
